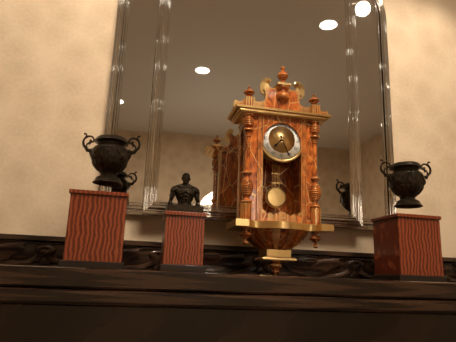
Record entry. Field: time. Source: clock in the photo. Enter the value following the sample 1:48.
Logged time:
7:26
